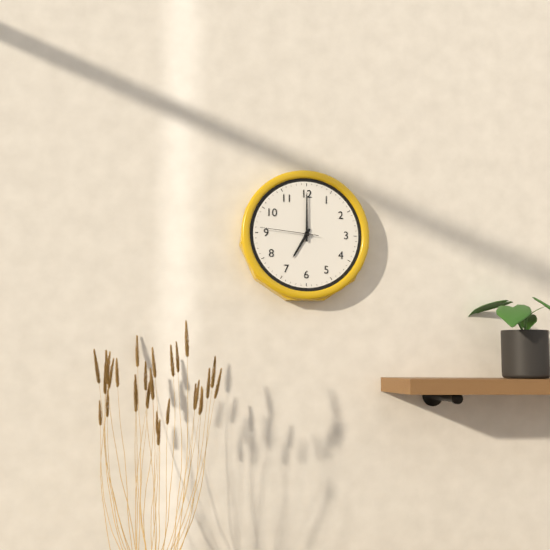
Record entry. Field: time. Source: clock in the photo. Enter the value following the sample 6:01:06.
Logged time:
7:00:46
